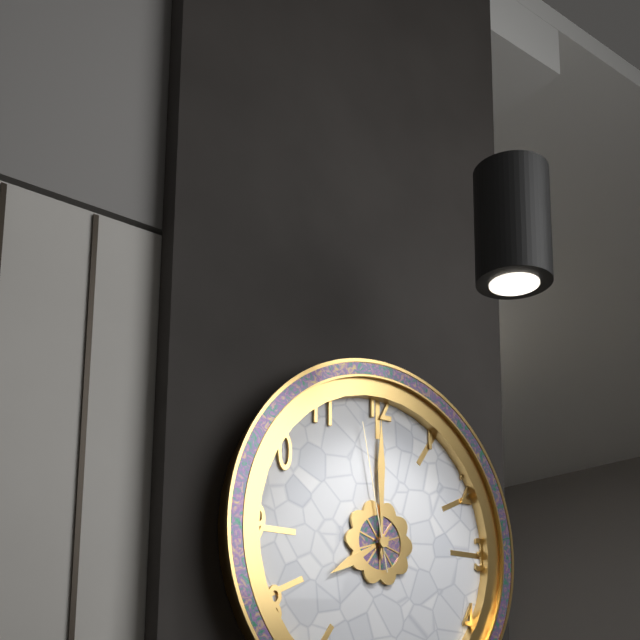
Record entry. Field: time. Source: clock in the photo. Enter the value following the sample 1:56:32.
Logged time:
8:00:58
